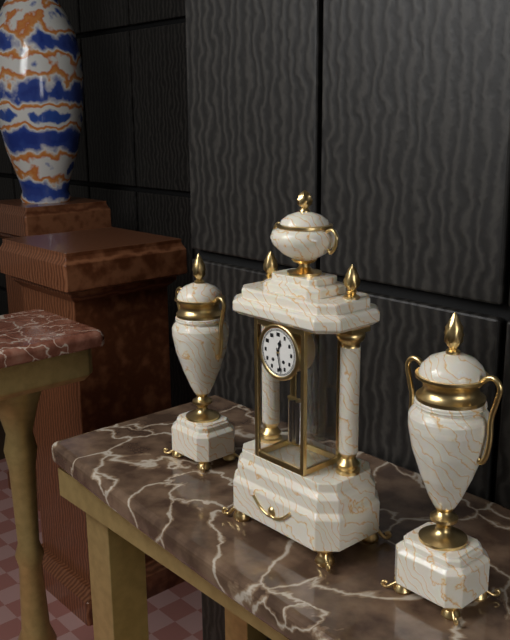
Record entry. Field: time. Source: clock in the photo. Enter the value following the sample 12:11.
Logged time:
12:28
